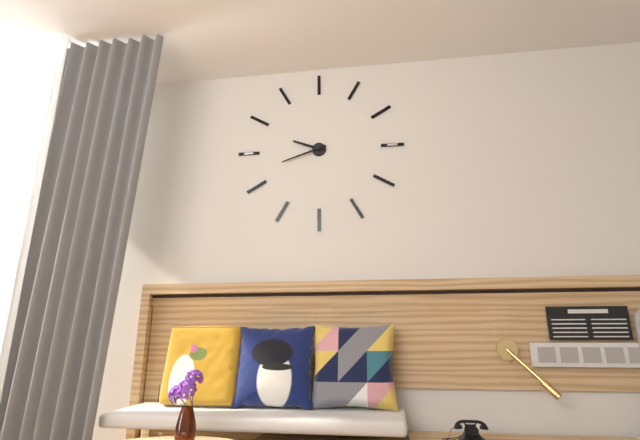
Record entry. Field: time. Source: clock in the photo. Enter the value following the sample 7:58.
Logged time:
9:42
